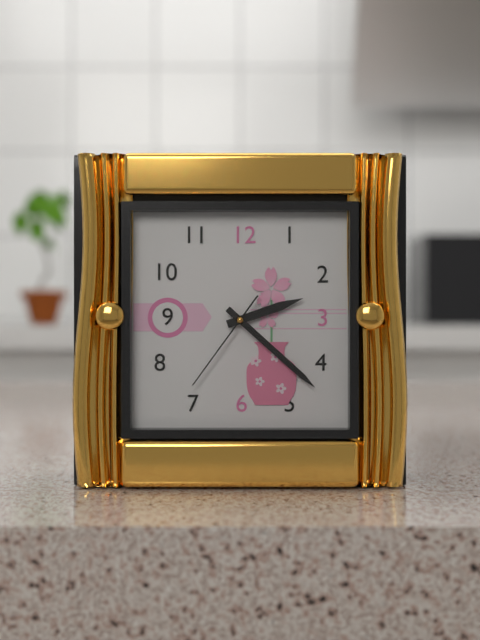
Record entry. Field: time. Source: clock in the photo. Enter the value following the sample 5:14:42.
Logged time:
2:22:36
